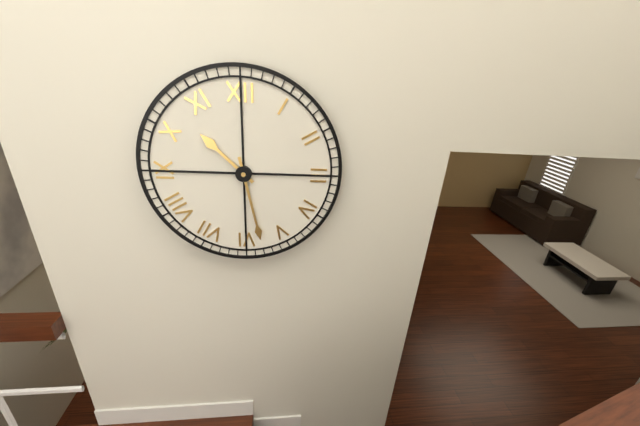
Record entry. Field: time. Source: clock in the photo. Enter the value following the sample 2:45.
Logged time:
10:28
